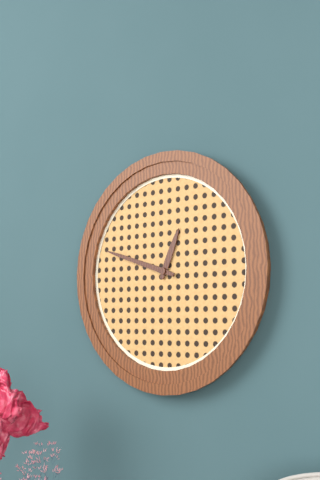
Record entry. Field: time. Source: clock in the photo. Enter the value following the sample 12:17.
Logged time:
12:48
